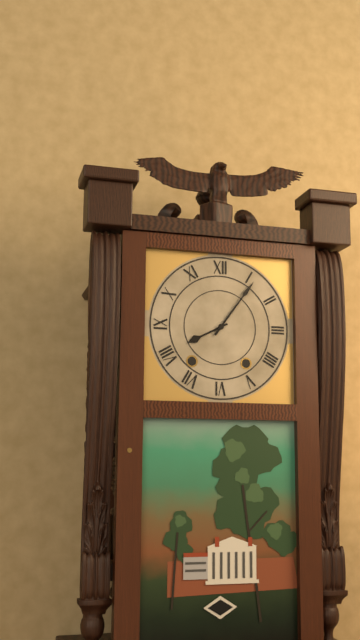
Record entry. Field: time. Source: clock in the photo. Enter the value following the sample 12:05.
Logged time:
8:06
